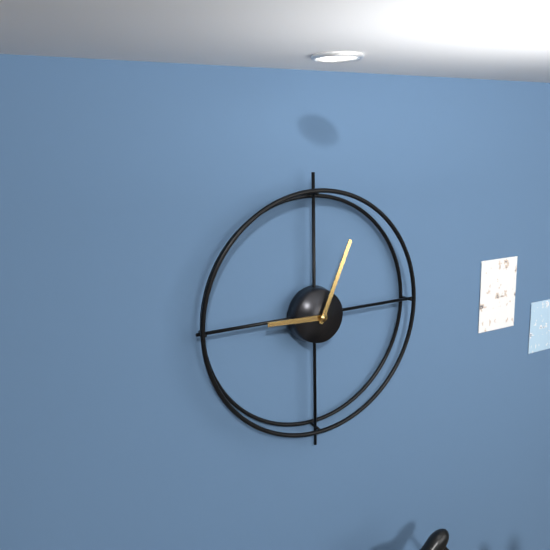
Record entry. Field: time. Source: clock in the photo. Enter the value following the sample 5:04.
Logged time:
9:04
